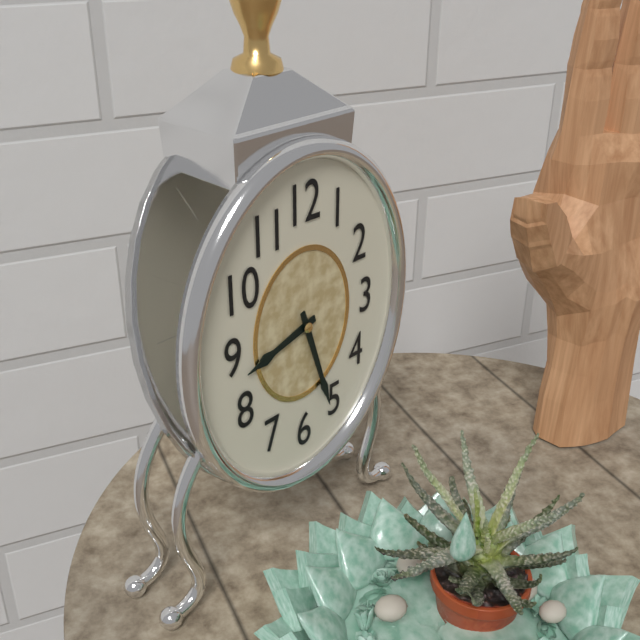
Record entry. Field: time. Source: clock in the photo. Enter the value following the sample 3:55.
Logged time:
8:27
